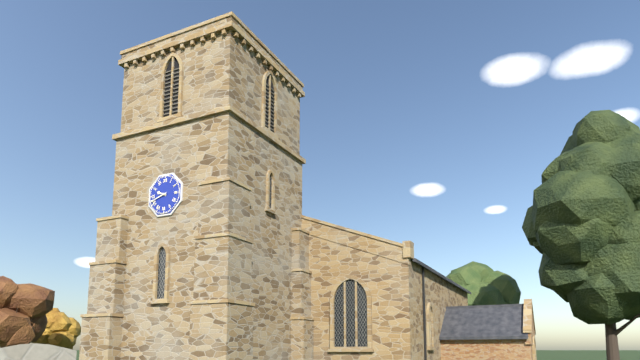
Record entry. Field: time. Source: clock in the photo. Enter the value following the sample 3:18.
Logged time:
9:42
